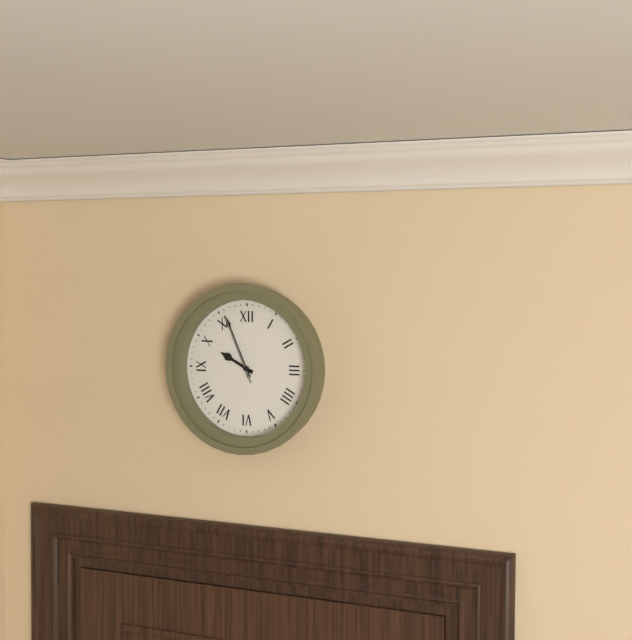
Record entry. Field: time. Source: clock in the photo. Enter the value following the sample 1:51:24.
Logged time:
9:56:56
